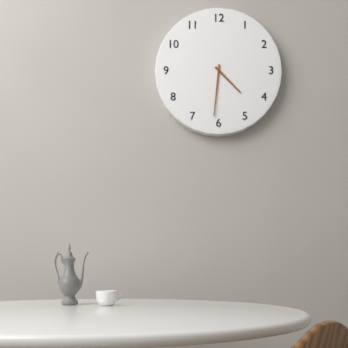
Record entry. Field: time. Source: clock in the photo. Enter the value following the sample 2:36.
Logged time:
4:31
